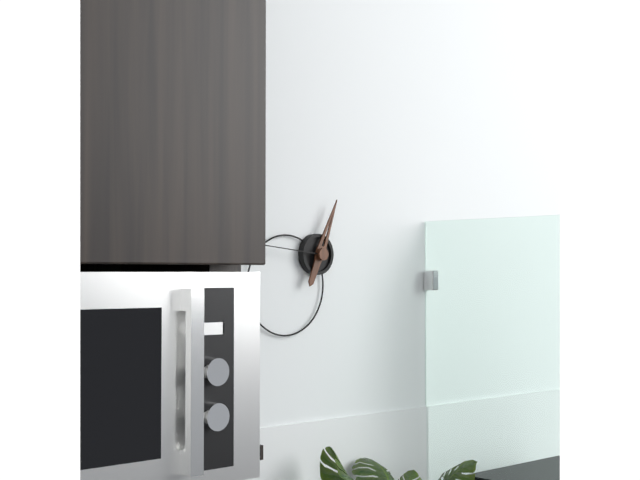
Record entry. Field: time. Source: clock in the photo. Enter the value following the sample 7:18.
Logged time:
12:46
